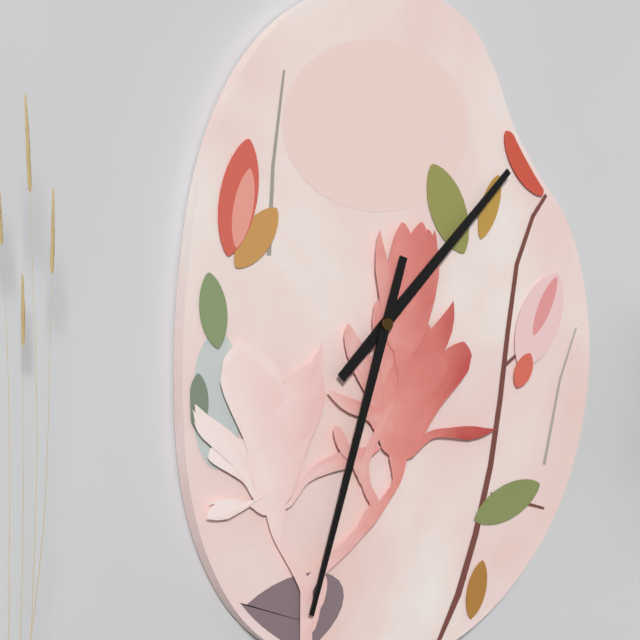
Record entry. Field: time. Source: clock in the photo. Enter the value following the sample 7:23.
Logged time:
1:33
